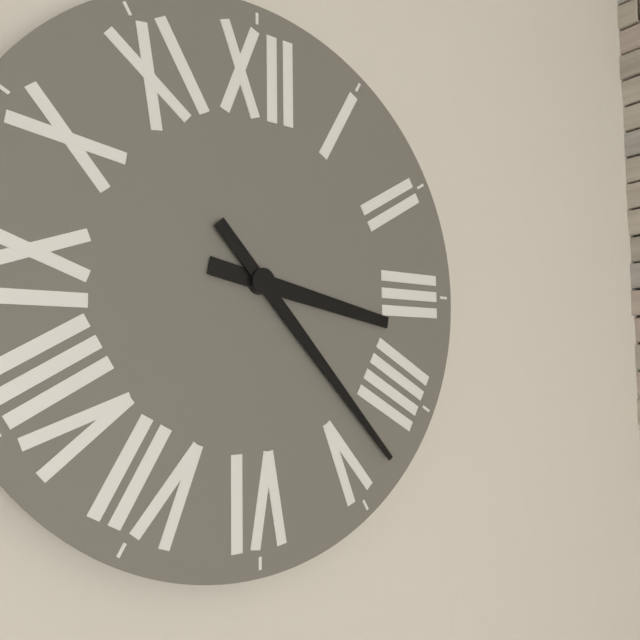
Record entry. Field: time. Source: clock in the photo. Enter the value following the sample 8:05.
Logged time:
3:23
